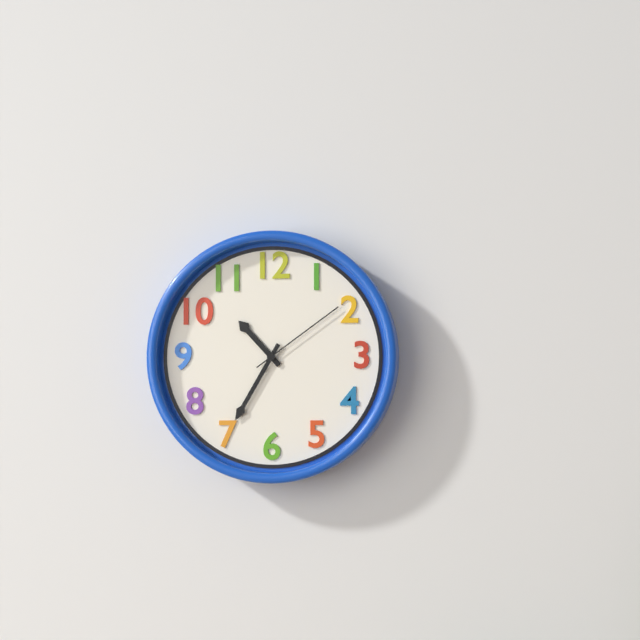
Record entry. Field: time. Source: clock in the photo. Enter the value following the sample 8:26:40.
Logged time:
10:35:09
